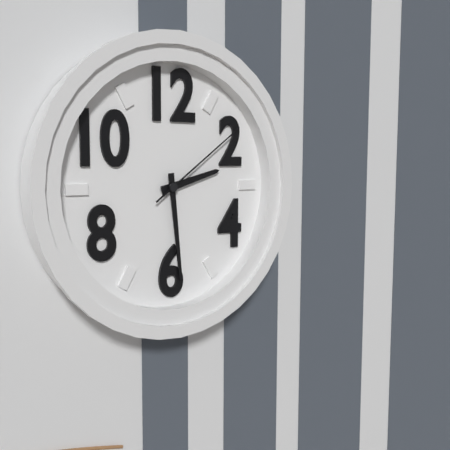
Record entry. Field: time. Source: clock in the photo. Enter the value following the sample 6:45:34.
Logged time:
2:29:09
